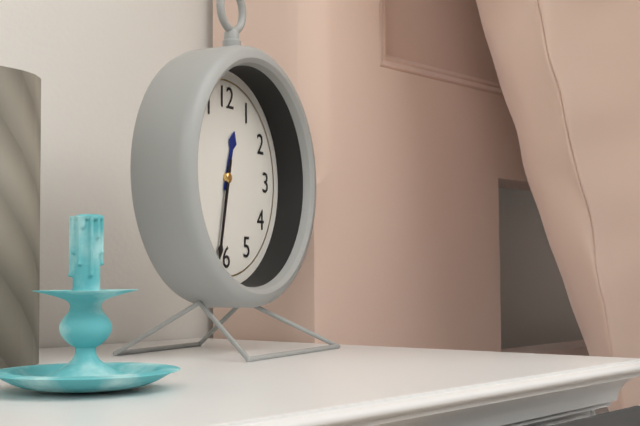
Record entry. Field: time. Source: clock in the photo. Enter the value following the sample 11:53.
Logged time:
12:32
